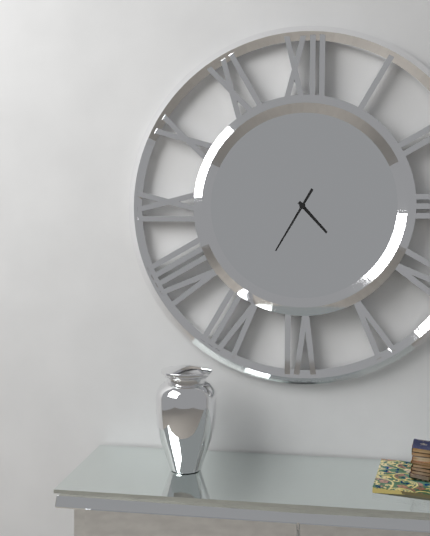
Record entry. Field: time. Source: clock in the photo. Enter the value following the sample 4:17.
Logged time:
4:35
